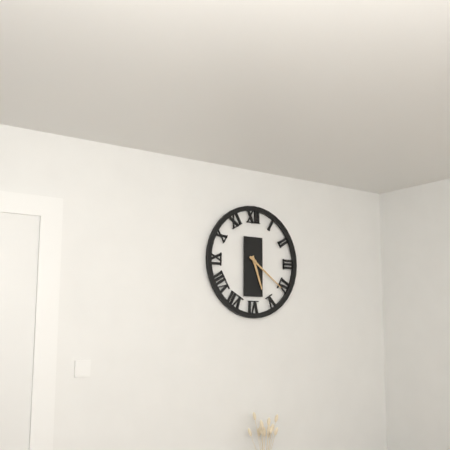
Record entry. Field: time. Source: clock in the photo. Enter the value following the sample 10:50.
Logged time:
5:21
